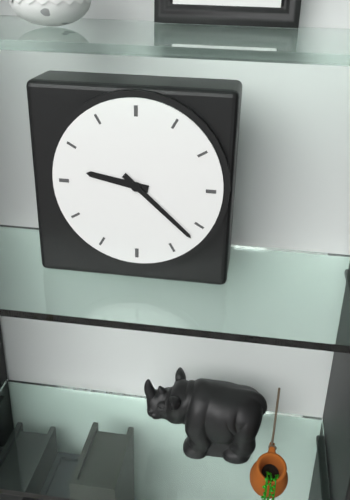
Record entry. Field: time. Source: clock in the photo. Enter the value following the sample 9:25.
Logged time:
9:22
